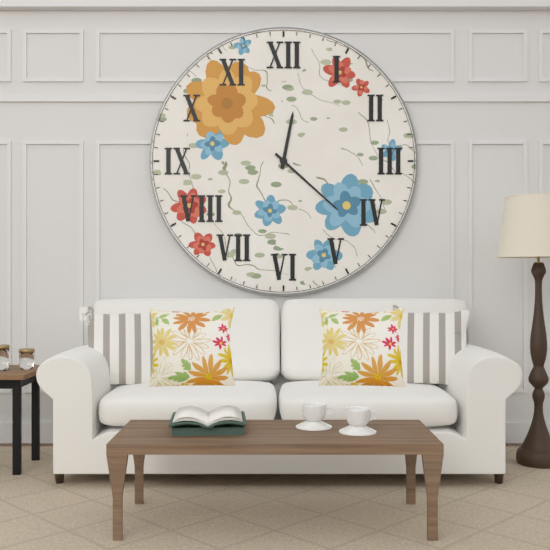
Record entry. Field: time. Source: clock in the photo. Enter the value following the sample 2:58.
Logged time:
12:22
